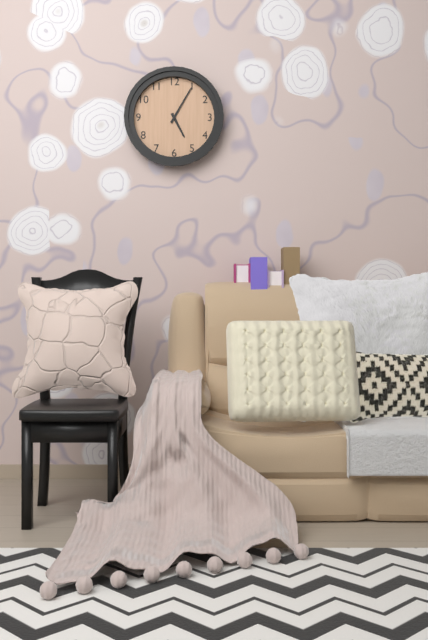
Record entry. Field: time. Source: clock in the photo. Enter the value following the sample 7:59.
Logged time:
5:05
